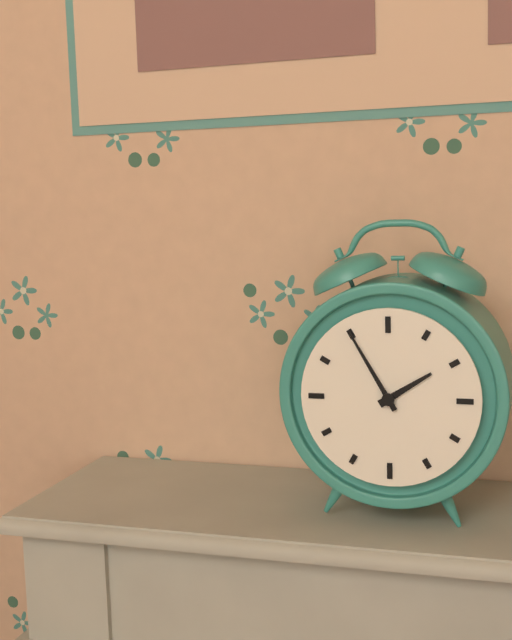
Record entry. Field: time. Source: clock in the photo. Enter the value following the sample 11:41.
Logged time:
1:55
